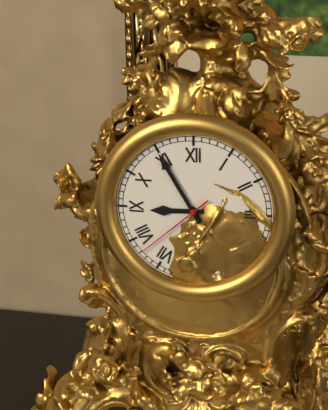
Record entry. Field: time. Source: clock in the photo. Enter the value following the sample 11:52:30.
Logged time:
8:55:38
